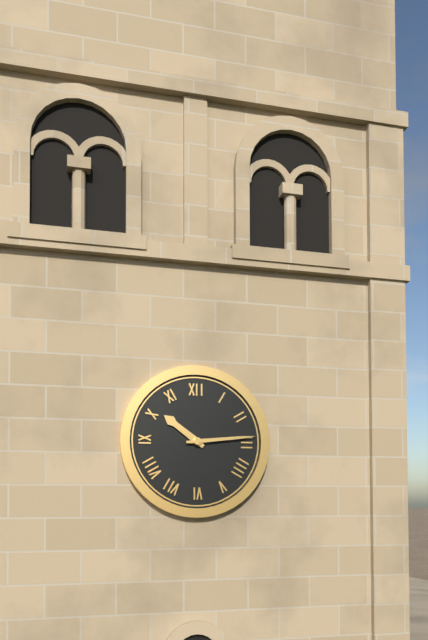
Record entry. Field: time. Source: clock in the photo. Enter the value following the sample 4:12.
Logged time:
10:14
